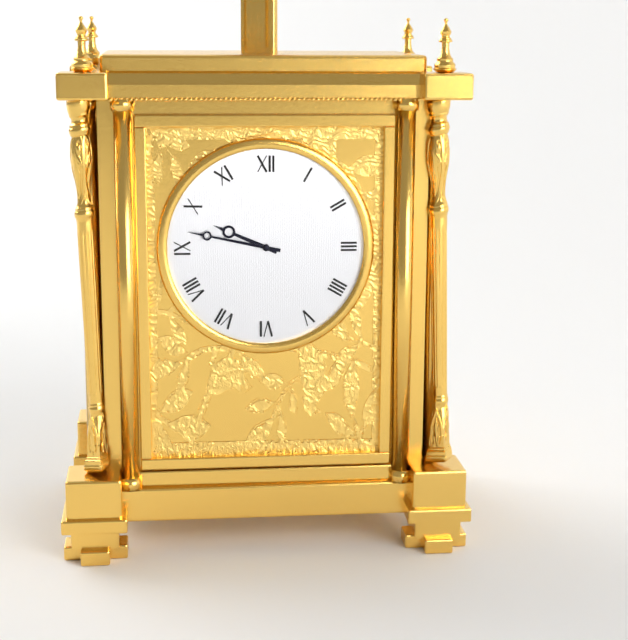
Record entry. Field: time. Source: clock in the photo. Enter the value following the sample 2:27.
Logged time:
9:47
